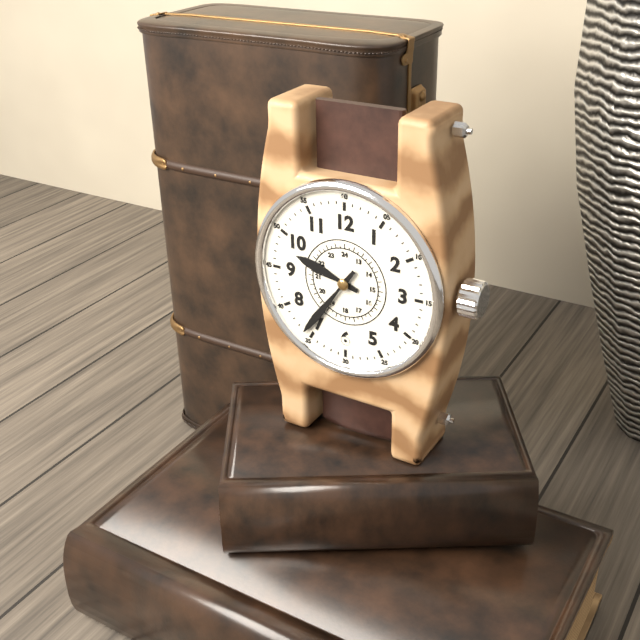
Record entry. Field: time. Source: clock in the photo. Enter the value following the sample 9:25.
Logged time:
9:36
